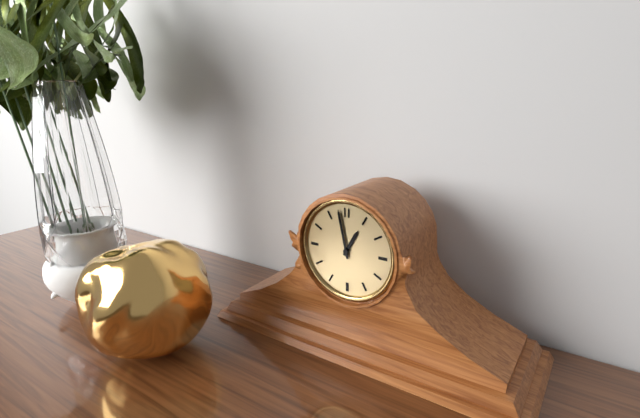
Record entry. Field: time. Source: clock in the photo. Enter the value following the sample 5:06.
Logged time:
12:58
